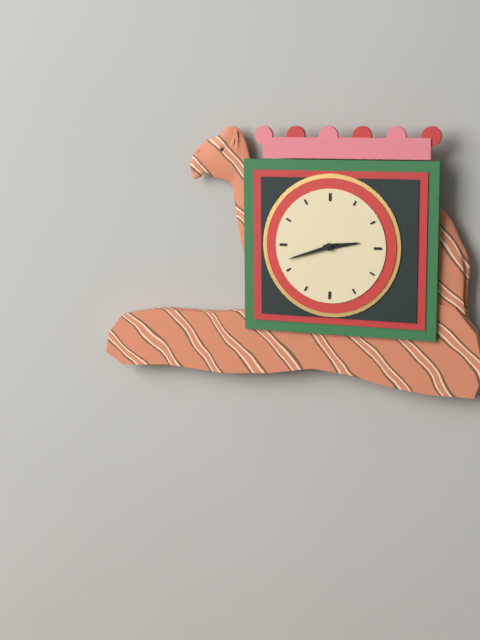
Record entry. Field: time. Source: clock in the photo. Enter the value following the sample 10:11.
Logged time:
2:42
